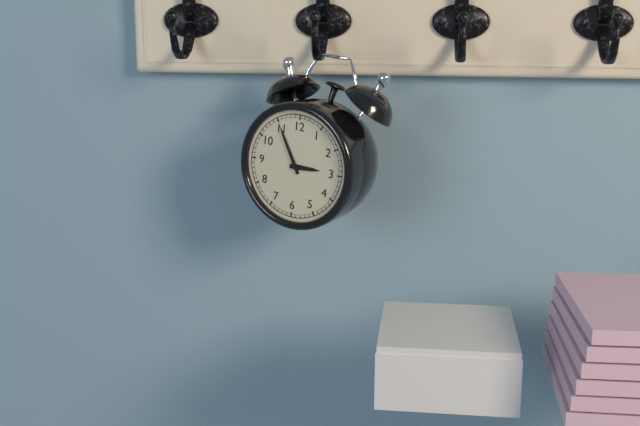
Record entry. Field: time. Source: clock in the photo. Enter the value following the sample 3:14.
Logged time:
2:55
